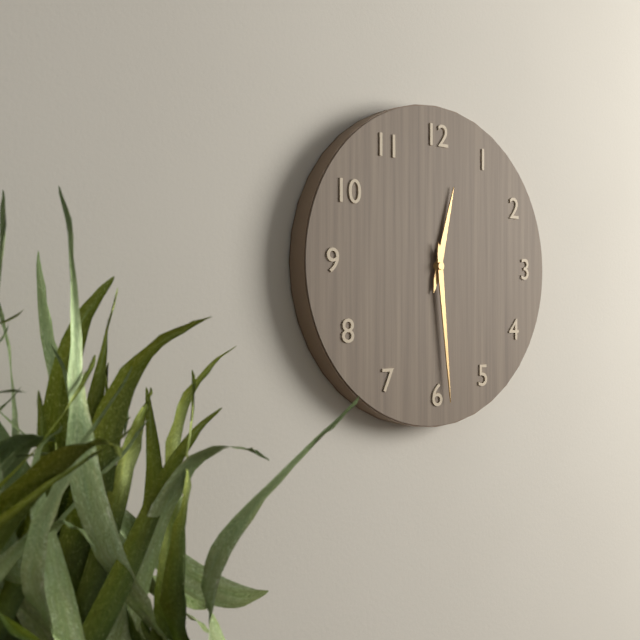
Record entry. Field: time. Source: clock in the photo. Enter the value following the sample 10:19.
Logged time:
12:29
